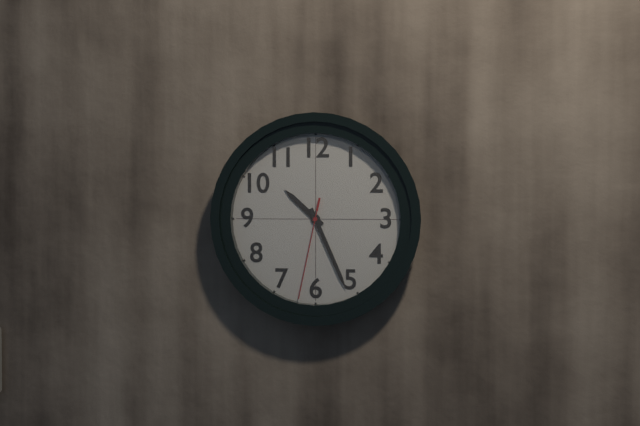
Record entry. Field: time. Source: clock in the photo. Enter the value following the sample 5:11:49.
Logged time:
10:26:32
